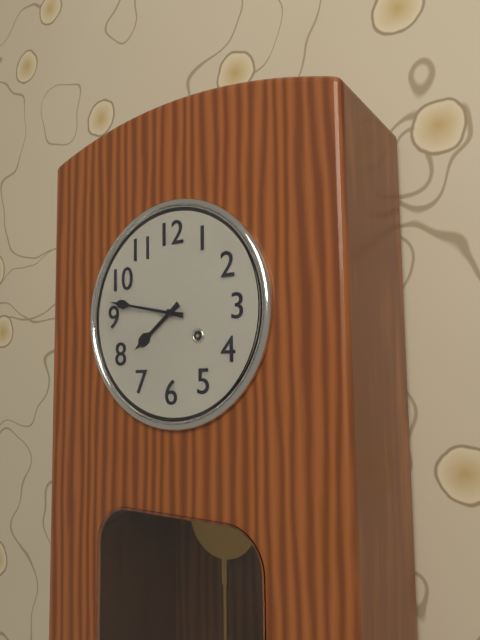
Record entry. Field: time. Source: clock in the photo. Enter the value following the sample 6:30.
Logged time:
7:47
